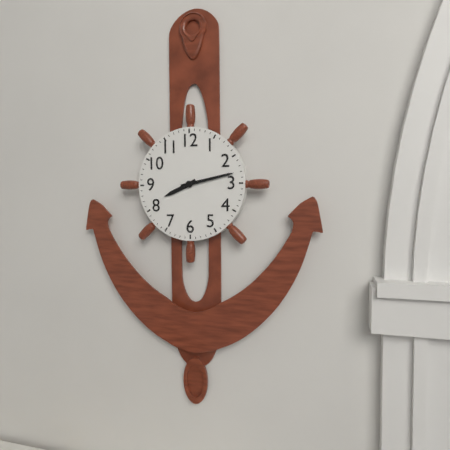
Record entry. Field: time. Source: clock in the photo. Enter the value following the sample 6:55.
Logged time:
8:13
